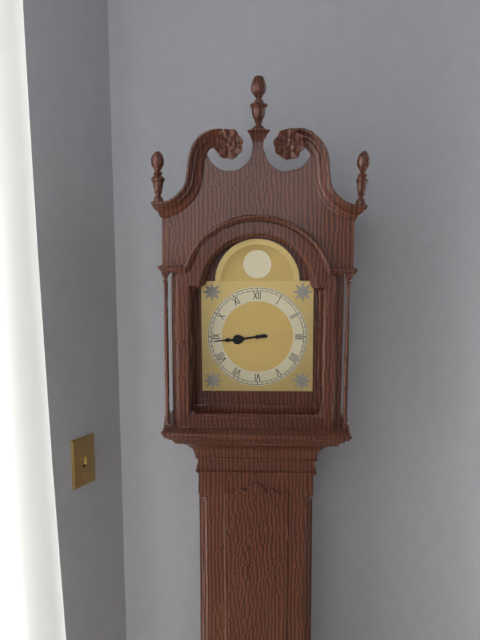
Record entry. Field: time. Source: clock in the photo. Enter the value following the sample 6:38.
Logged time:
8:44
